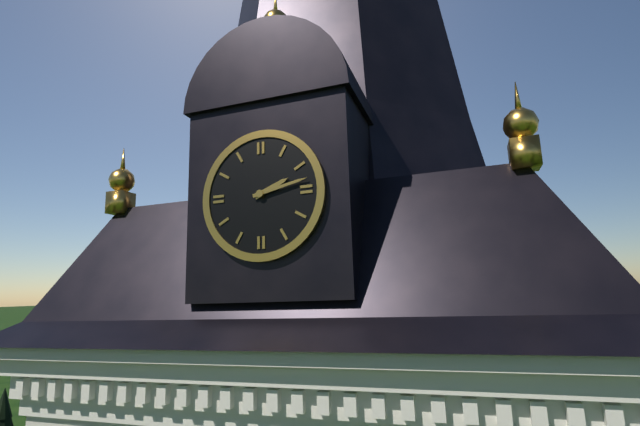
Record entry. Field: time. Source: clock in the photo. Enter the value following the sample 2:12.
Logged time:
2:13
